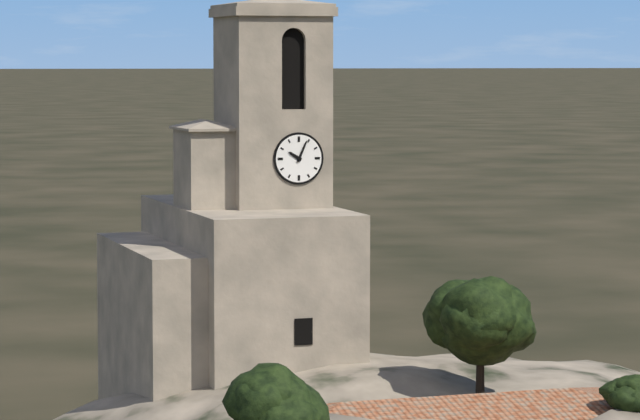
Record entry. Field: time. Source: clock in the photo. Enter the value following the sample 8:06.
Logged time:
10:04
